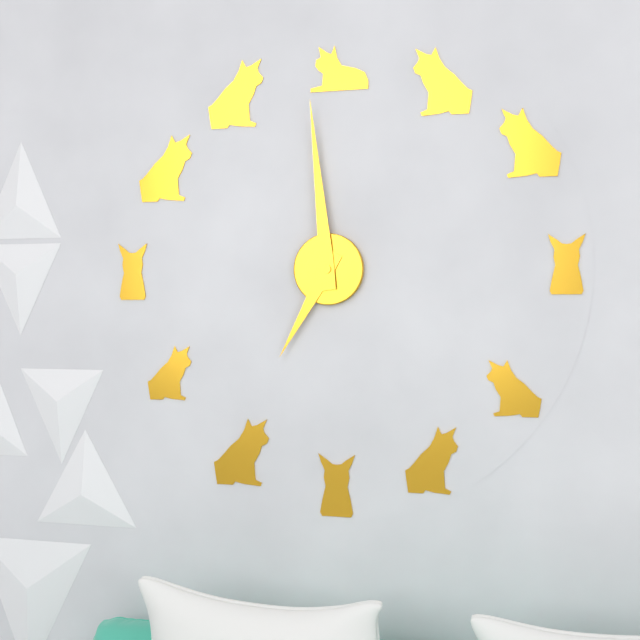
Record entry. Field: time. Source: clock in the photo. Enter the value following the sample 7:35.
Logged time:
6:59
